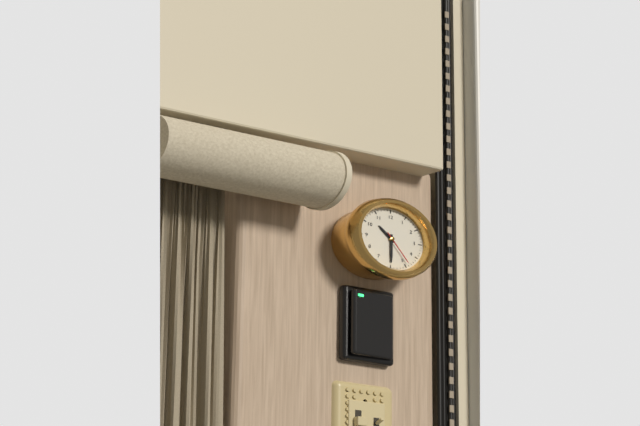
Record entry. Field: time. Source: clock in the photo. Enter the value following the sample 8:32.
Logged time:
10:30
